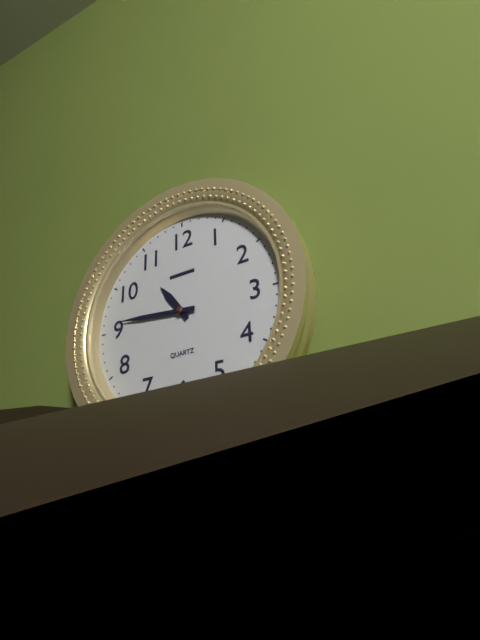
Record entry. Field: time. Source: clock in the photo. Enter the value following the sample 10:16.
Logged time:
10:46
